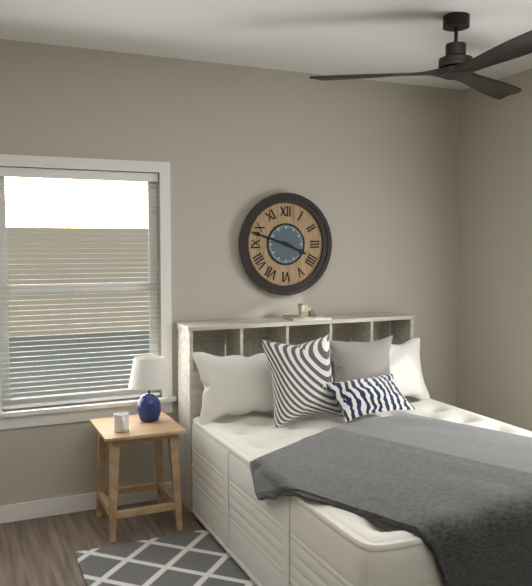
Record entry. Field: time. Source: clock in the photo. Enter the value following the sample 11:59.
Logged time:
3:48
